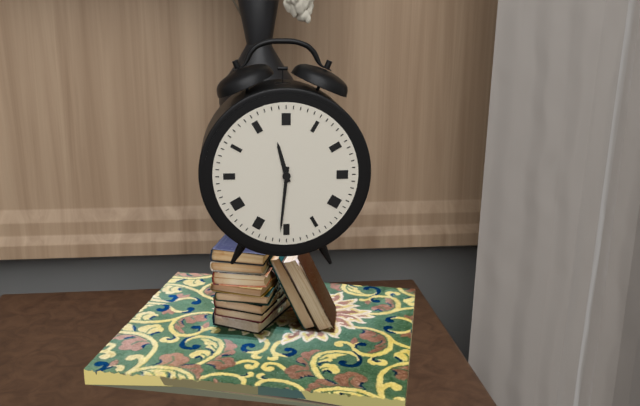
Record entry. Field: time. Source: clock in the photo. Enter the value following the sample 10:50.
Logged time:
11:31
